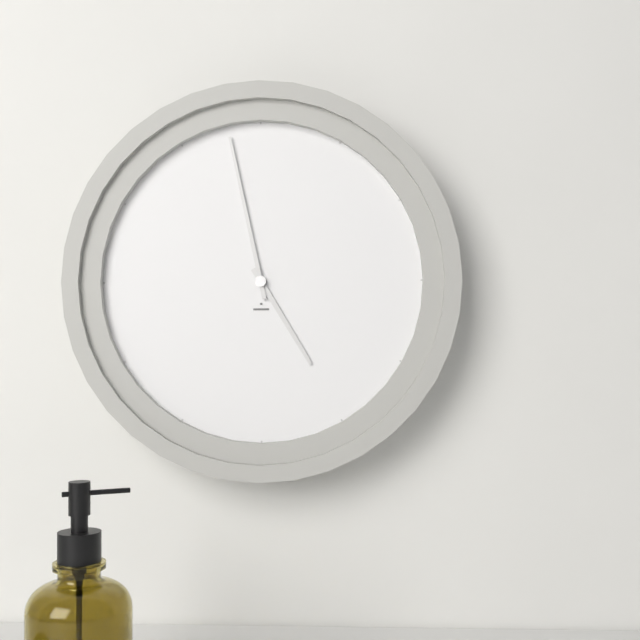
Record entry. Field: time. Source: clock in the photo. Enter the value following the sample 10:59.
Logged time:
4:58
